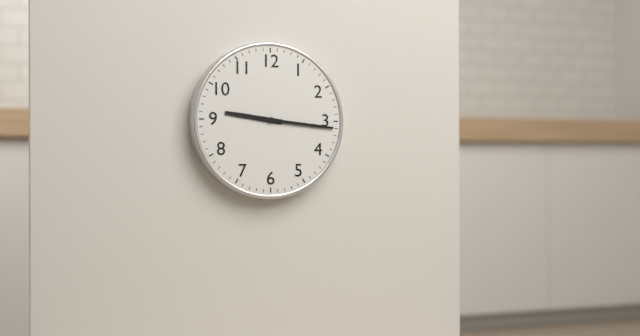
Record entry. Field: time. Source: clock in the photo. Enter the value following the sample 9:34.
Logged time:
9:16
